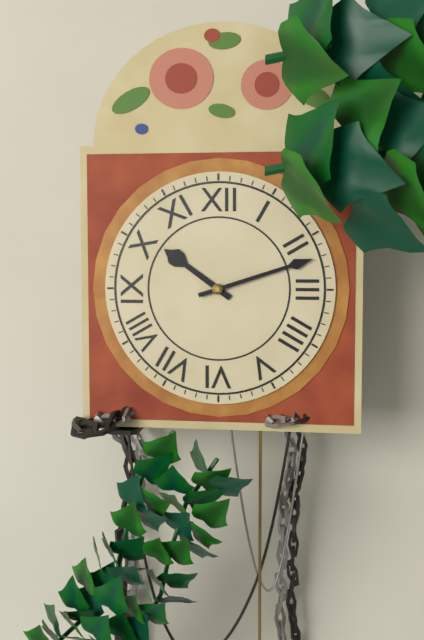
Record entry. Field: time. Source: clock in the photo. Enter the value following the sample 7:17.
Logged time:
10:12
